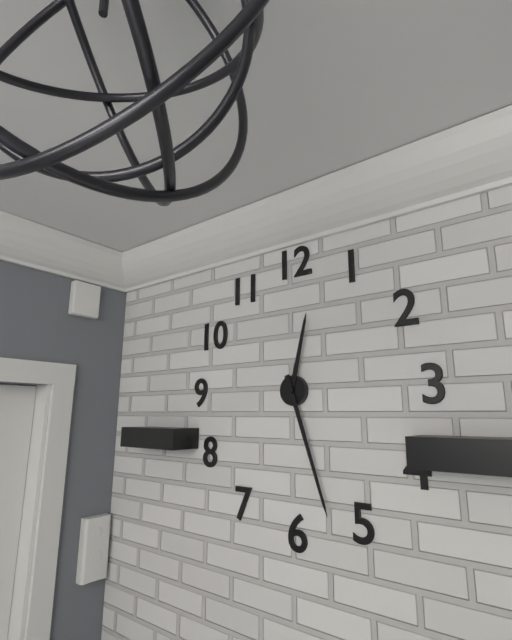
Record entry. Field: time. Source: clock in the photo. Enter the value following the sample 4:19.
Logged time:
12:27
